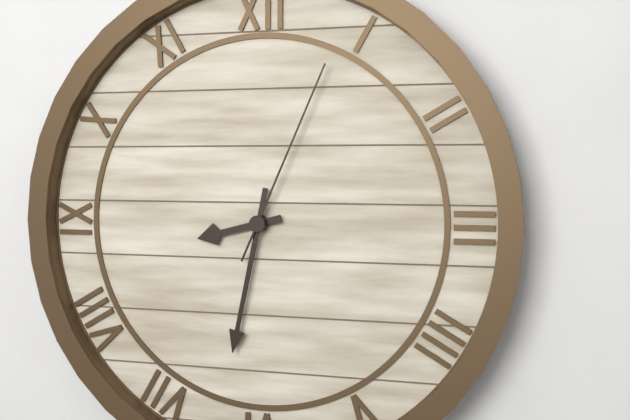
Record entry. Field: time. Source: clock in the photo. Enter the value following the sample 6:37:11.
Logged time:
8:32:04
